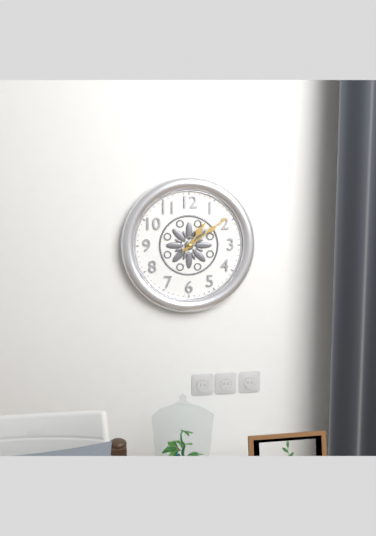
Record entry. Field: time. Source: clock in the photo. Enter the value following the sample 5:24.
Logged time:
1:09
